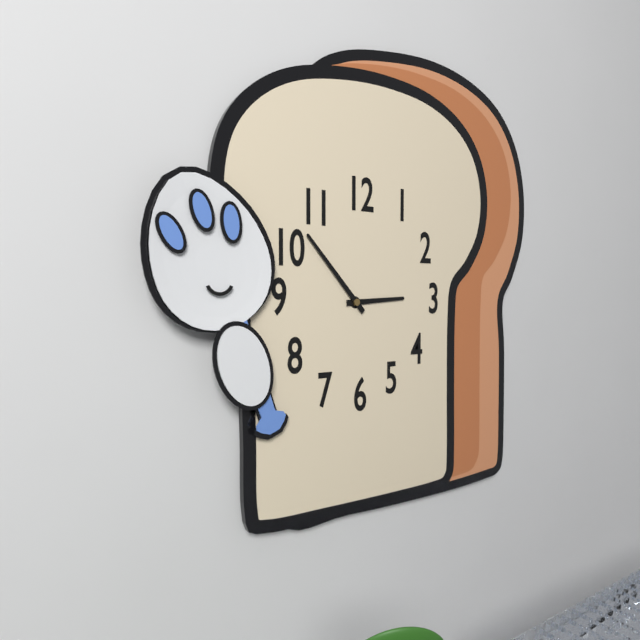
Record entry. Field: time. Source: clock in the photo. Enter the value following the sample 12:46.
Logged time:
2:53
